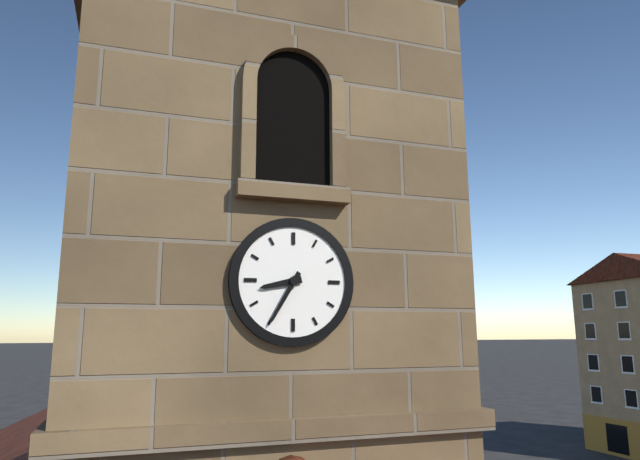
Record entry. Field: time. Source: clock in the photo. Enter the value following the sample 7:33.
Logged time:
8:35
